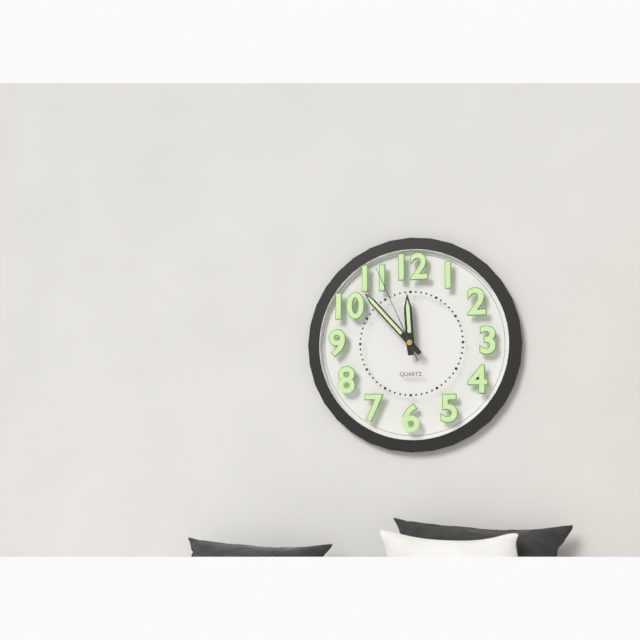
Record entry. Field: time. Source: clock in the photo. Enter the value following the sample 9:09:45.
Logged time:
11:53:56
